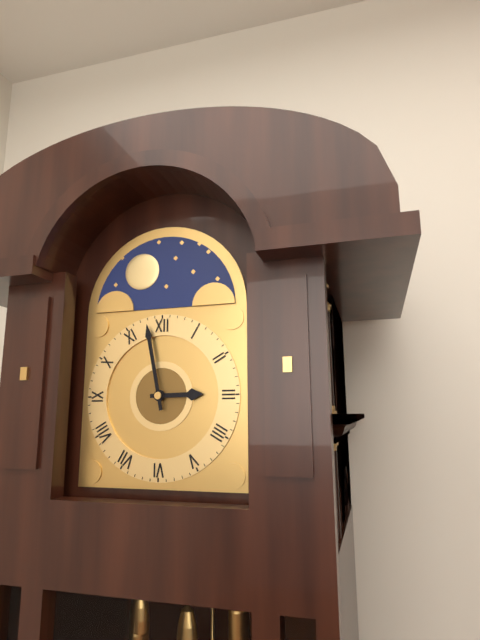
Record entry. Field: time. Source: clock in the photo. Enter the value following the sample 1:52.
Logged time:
2:58
